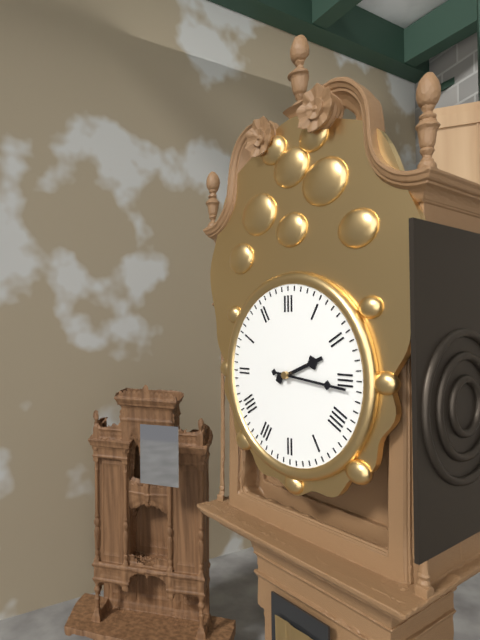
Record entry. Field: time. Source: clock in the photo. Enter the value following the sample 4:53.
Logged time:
2:16
